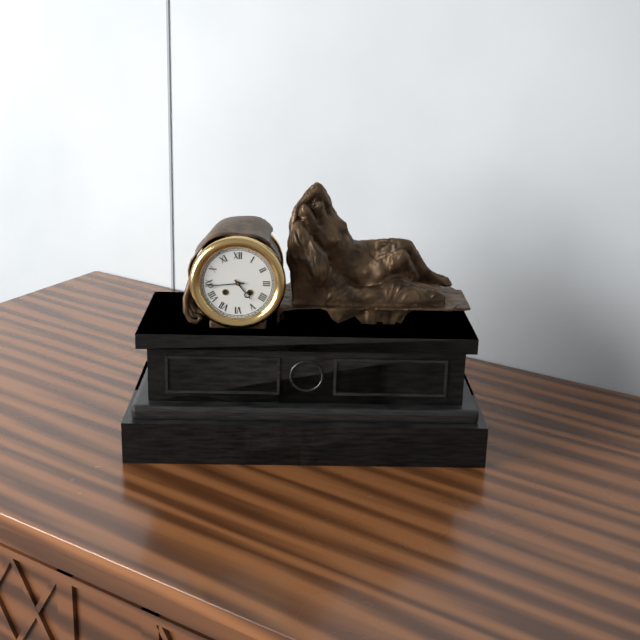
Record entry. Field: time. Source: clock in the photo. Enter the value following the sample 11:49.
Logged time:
4:44
